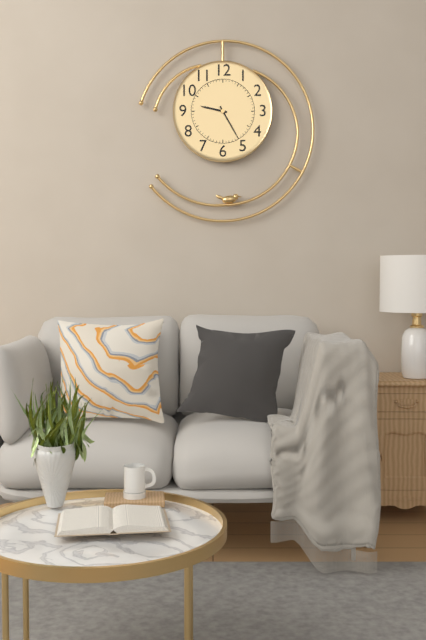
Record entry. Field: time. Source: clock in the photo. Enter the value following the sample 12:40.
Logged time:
9:25
